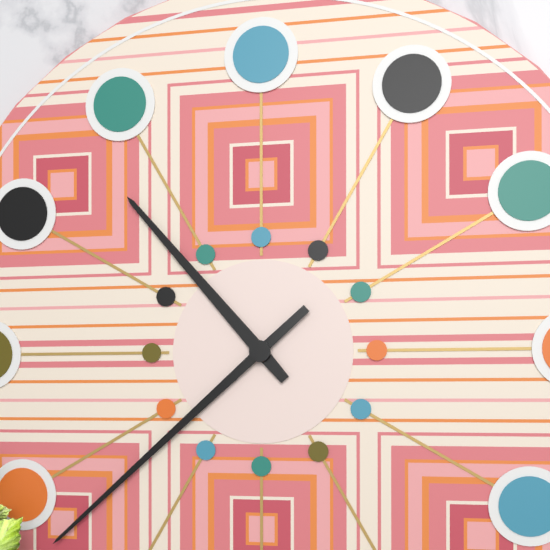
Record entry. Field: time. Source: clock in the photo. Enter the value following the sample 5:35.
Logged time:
10:38
